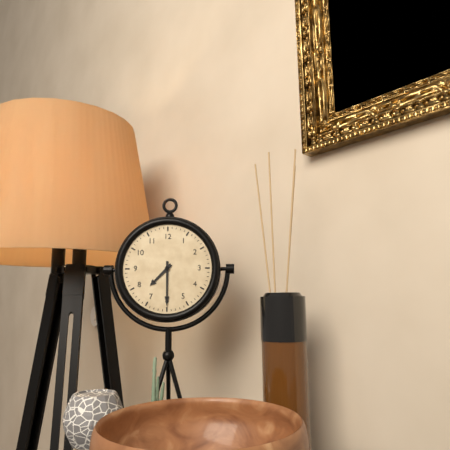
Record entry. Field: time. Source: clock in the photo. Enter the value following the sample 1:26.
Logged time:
7:30
